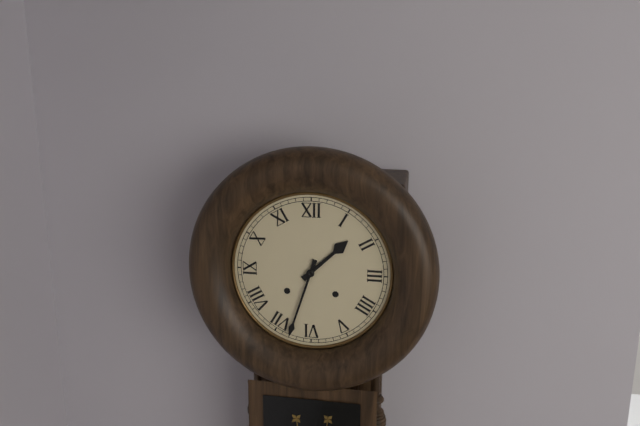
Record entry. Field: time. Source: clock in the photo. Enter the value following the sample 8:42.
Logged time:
1:33
